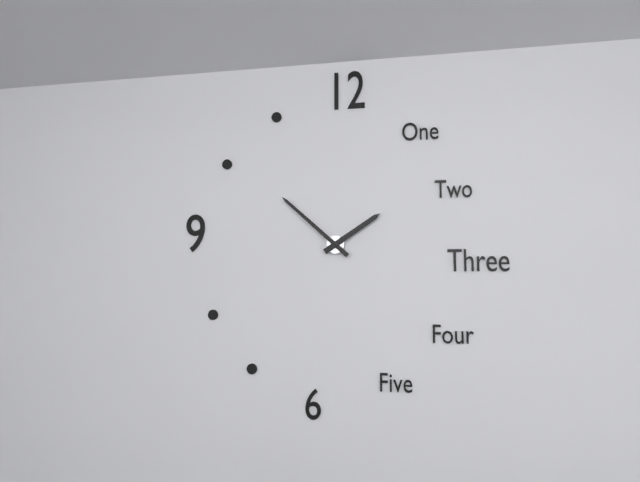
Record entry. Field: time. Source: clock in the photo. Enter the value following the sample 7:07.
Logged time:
1:52
